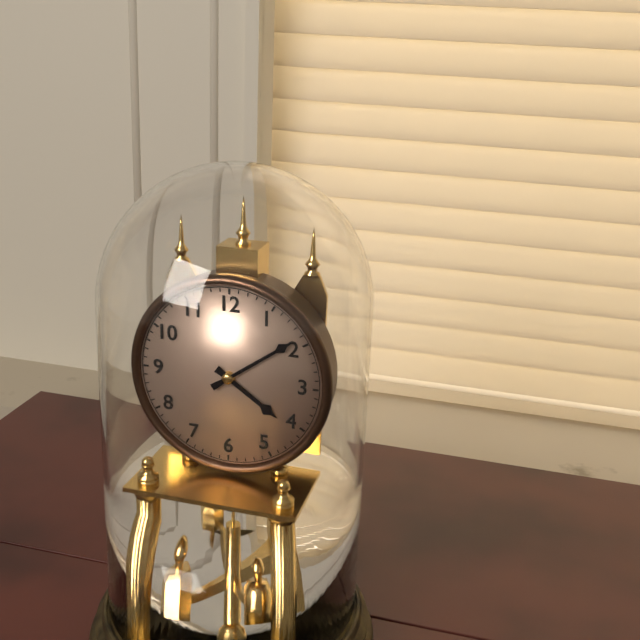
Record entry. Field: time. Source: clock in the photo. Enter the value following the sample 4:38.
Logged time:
4:09
